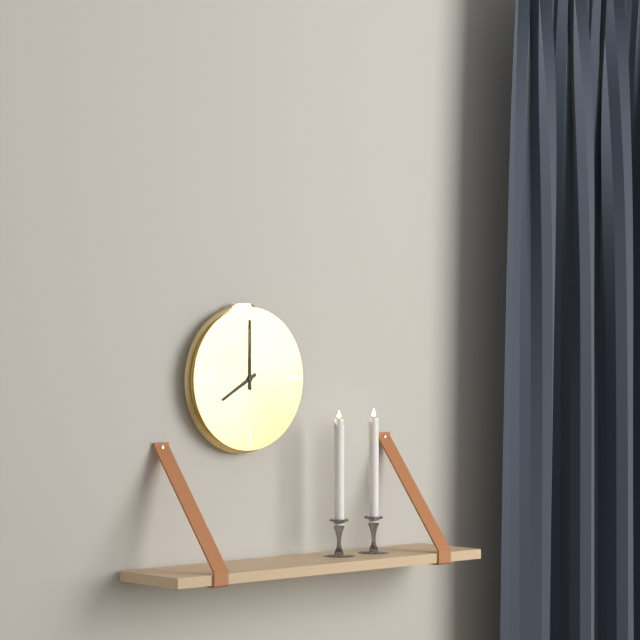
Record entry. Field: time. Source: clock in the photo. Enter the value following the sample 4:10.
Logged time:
8:00
